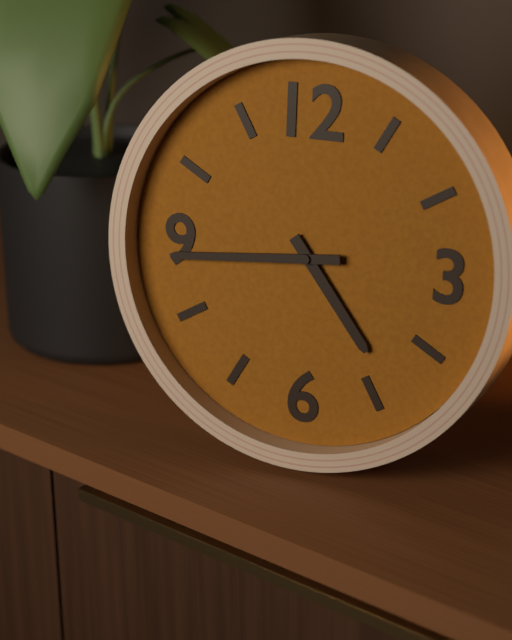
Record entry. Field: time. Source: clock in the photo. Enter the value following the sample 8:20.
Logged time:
4:44
